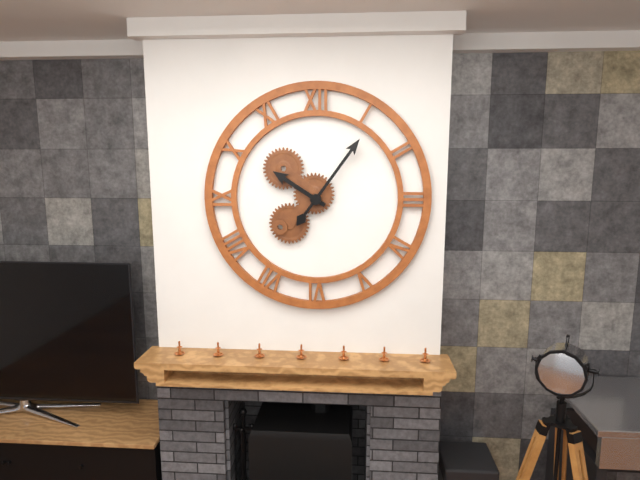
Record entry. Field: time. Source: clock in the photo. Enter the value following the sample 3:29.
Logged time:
10:06
